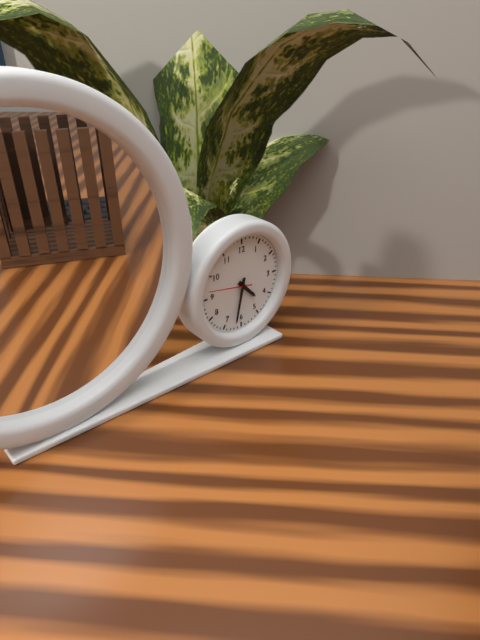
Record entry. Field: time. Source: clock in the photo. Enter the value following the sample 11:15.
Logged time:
4:32
